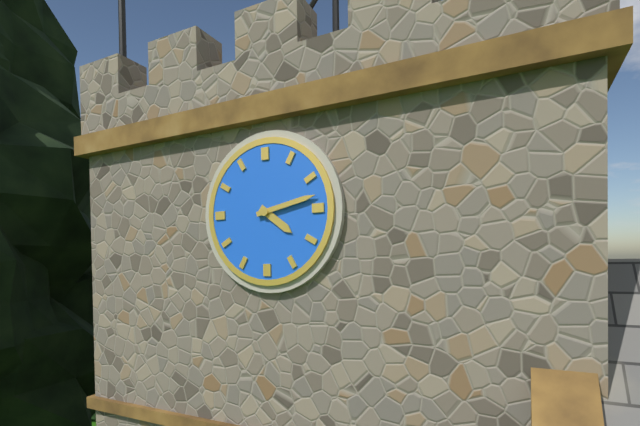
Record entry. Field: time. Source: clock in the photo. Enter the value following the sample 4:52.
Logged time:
4:13
